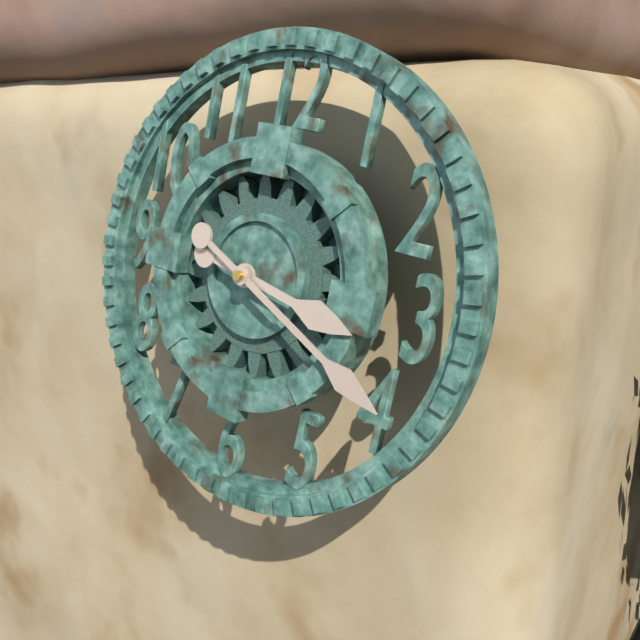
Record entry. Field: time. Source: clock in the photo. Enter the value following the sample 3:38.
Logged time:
3:19
